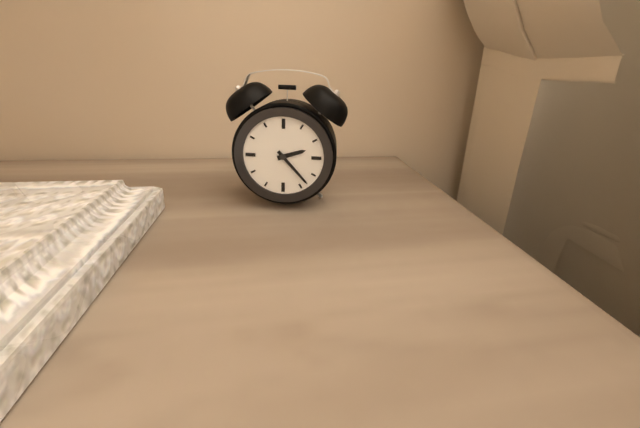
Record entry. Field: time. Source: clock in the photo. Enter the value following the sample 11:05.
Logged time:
2:23
